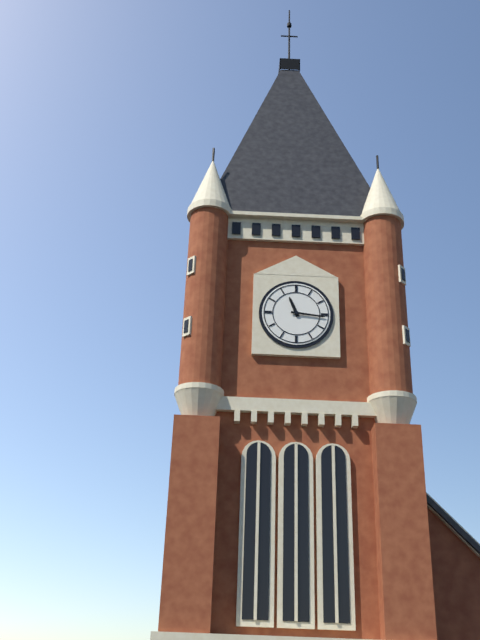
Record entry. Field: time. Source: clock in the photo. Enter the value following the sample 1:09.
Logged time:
11:16
